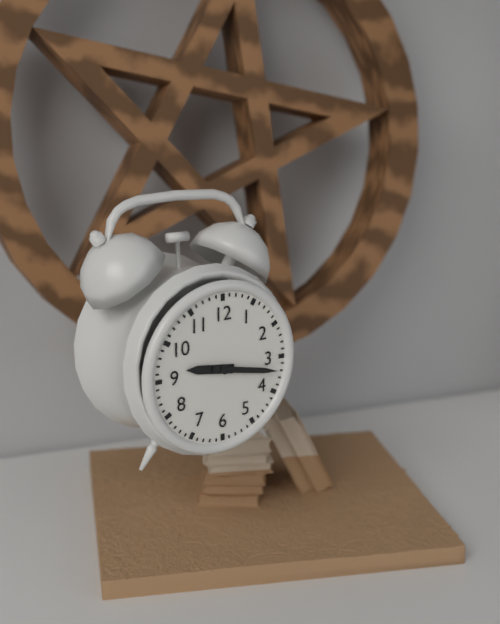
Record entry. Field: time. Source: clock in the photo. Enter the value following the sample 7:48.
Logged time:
9:17
